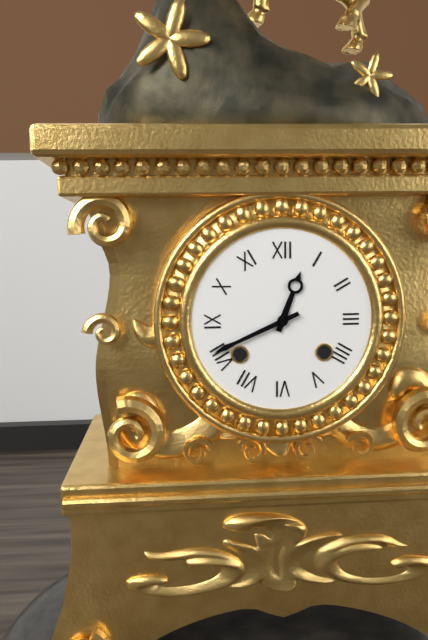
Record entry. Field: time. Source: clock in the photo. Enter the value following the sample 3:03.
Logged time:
12:41
